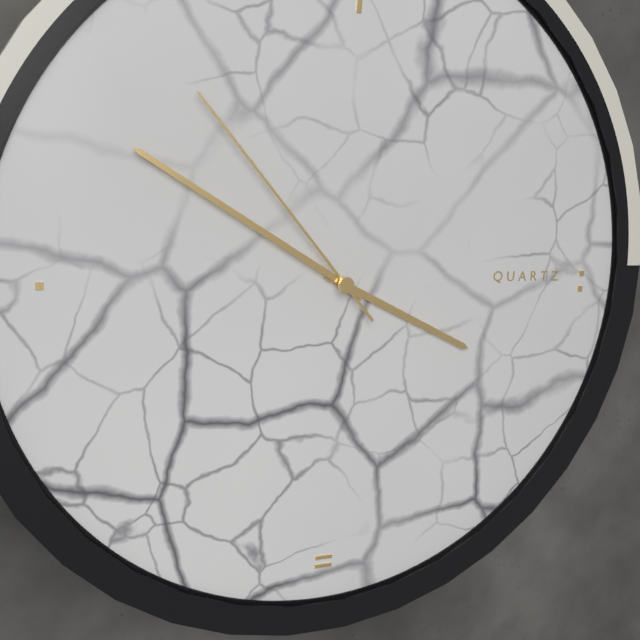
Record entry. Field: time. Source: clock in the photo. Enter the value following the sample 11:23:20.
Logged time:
3:50:53
